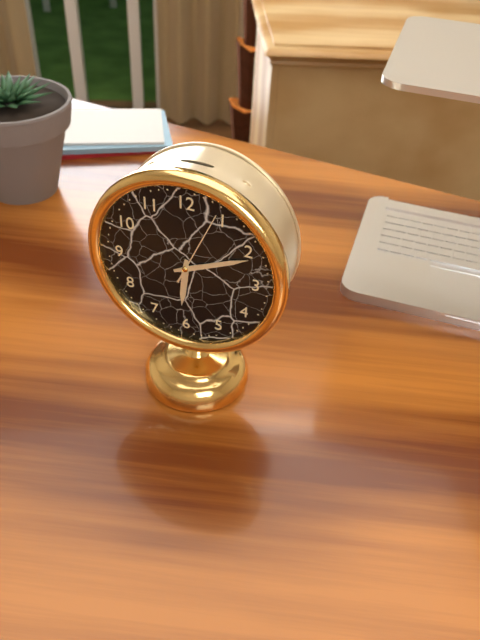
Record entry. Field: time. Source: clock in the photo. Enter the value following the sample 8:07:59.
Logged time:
6:11:04
